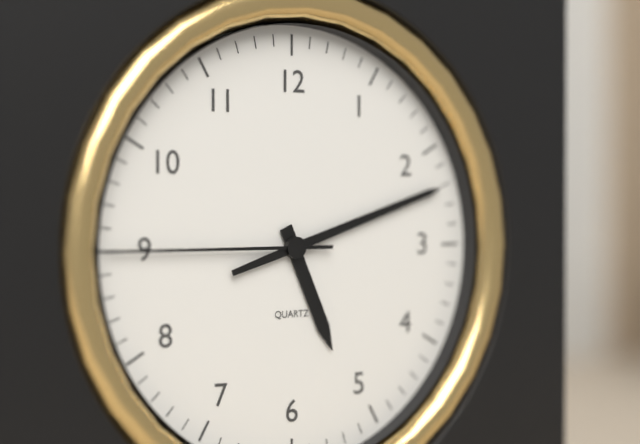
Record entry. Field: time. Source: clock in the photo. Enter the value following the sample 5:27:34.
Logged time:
5:12:45
